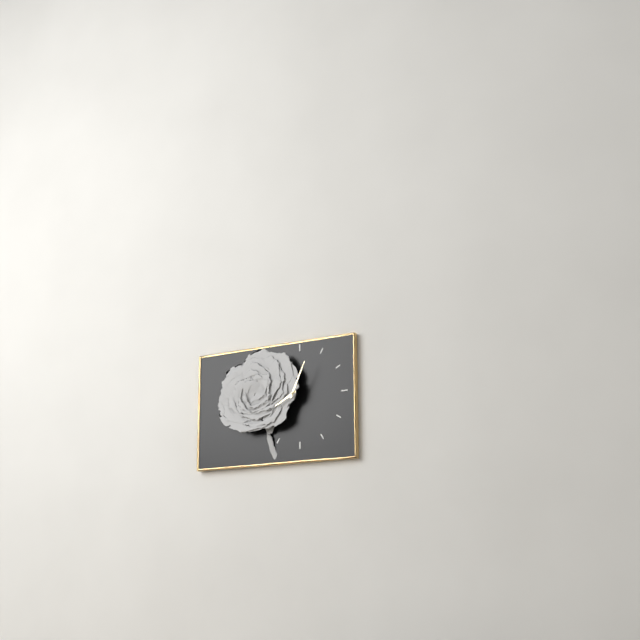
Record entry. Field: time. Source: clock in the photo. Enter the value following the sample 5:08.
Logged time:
8:04
